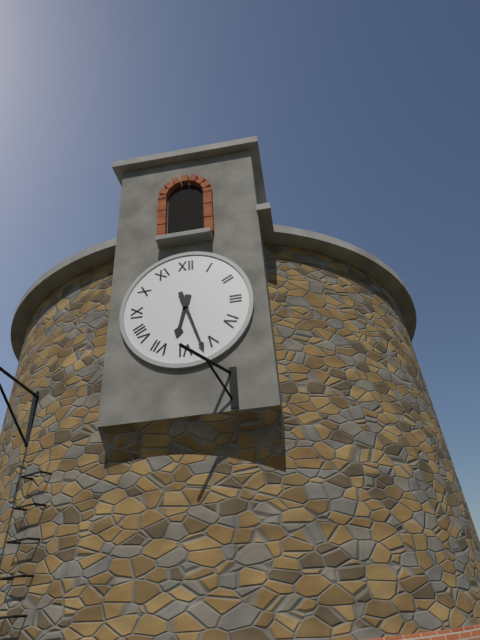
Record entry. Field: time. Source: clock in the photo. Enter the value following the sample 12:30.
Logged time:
6:27
